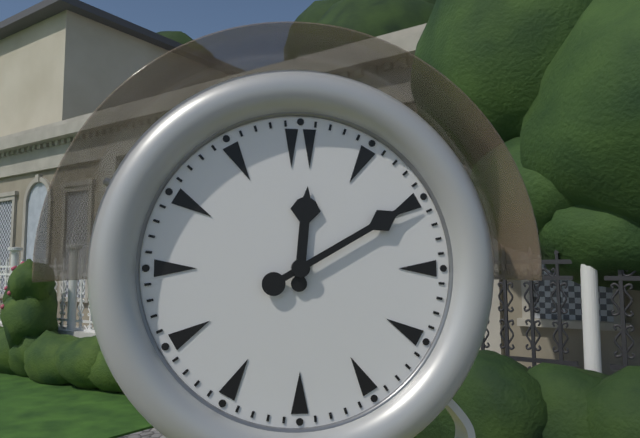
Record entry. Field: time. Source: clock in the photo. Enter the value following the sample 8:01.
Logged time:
12:10
